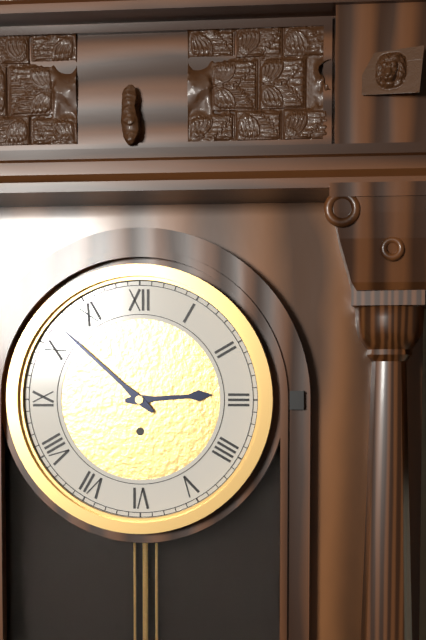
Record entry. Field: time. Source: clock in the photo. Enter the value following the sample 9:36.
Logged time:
2:52
